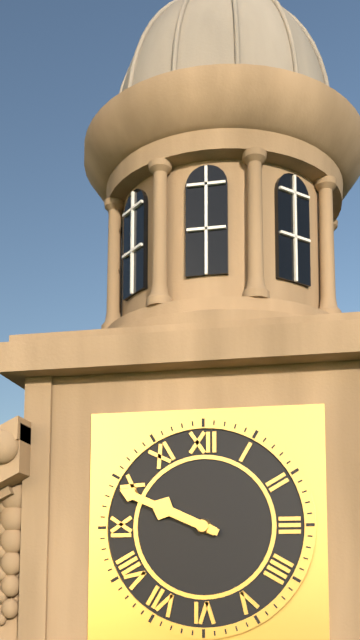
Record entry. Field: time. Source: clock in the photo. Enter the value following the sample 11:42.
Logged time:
9:49
